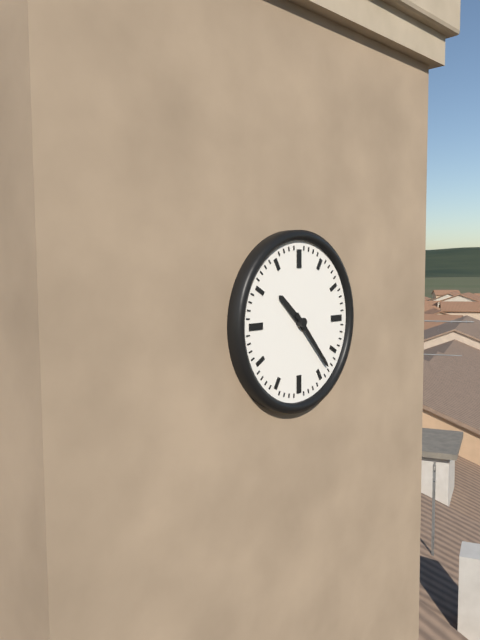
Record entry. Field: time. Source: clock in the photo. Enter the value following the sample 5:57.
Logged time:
10:23
